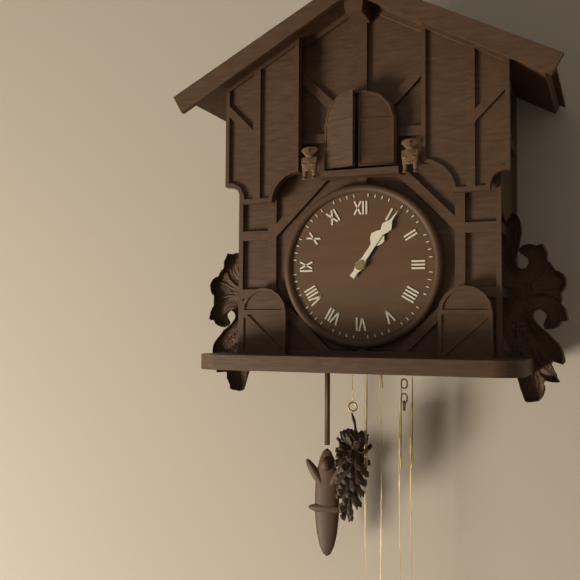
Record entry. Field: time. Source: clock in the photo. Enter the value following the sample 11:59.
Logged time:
1:06
